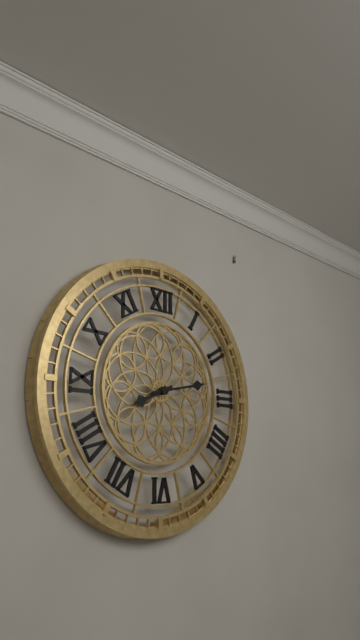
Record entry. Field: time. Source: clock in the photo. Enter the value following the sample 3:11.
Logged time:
8:13
